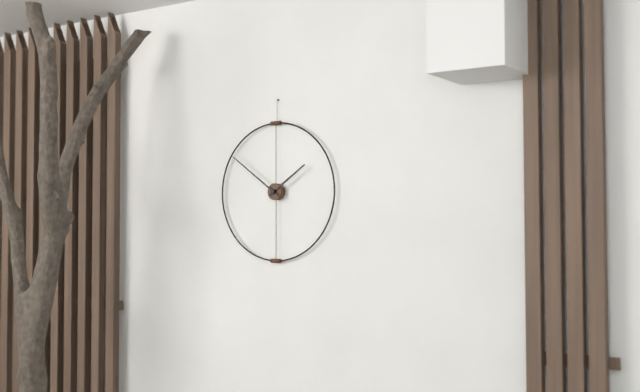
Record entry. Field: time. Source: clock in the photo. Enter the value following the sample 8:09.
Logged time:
1:51
